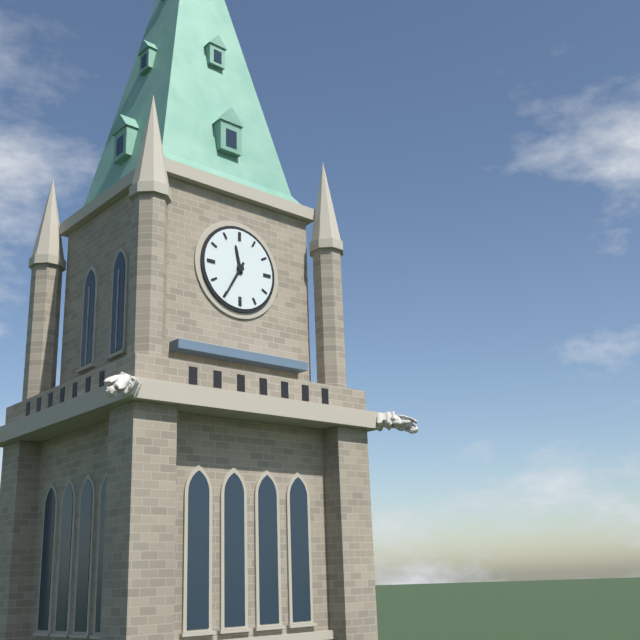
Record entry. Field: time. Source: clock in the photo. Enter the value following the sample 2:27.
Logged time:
11:35
